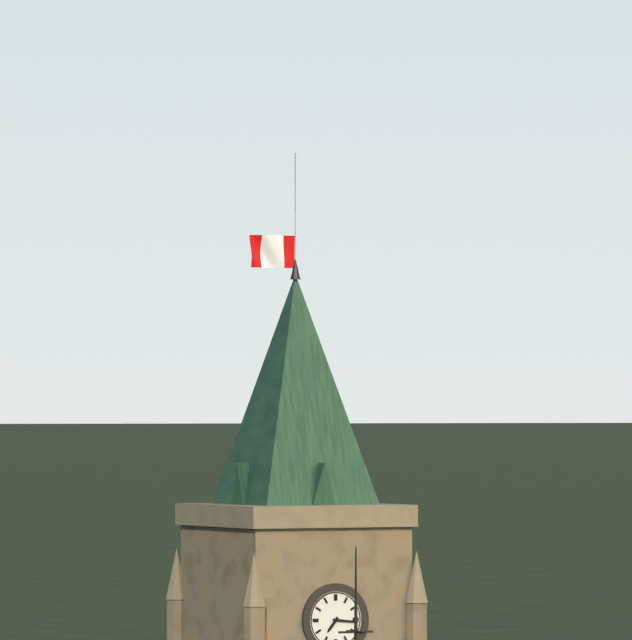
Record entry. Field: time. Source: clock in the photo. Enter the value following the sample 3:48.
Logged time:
7:16
